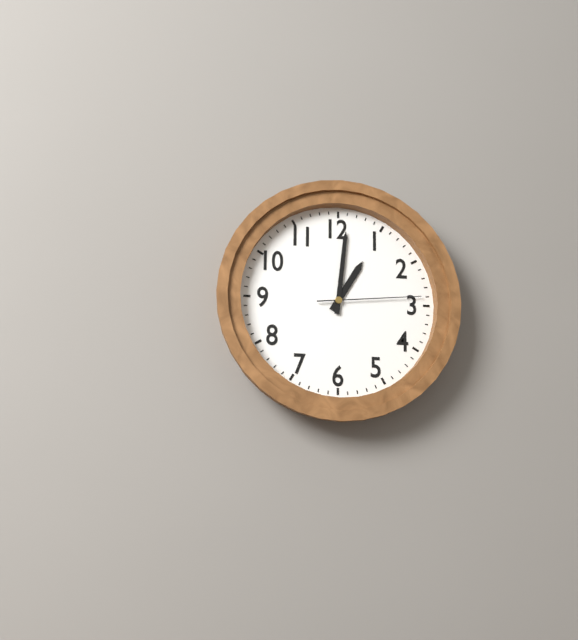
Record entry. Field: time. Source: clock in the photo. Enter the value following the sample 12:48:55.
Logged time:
1:01:14
